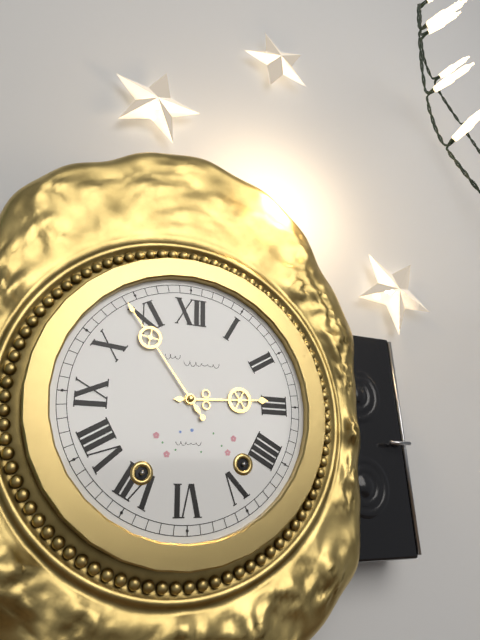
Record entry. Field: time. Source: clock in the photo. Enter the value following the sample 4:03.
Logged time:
2:54
